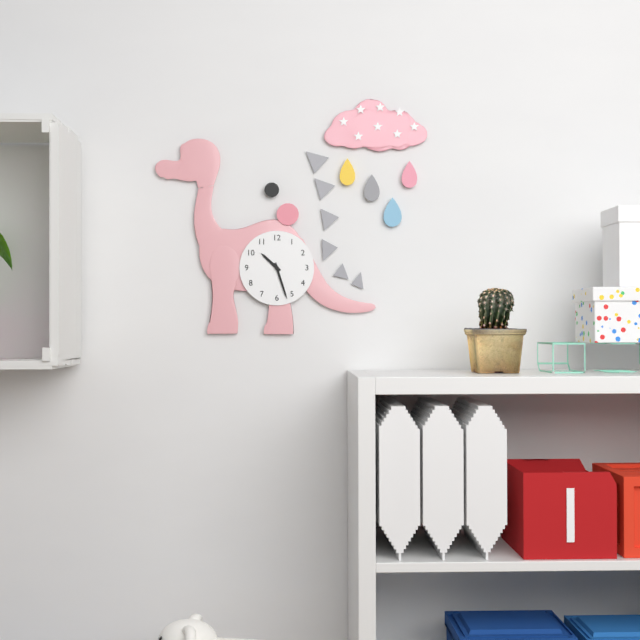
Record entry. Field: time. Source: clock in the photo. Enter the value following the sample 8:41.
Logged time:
10:27
